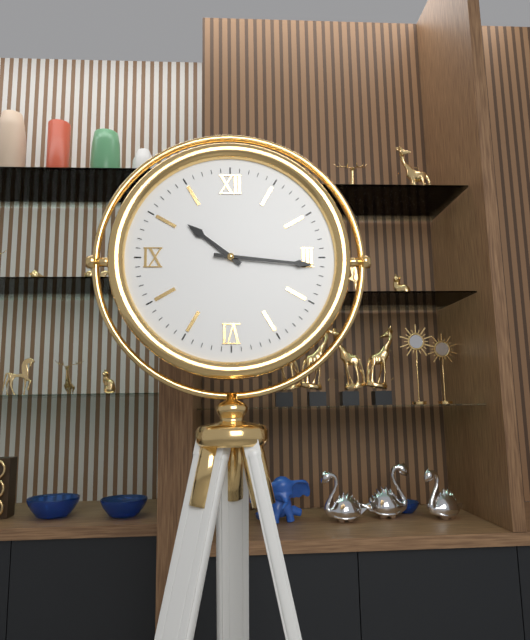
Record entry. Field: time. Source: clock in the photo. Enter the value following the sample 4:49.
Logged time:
10:16
